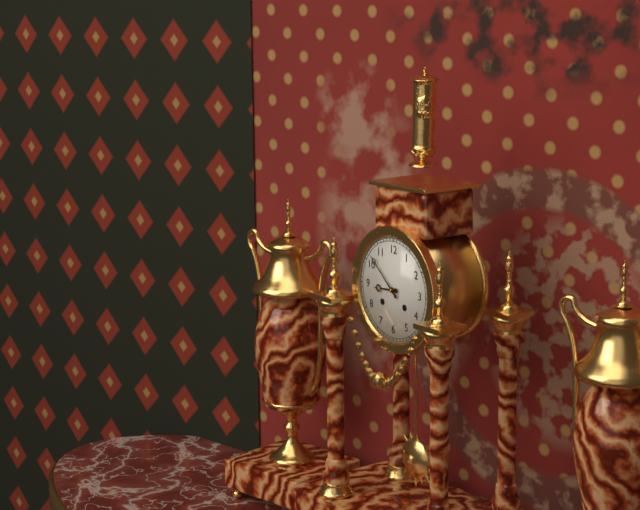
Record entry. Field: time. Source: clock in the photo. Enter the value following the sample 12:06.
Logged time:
8:52
